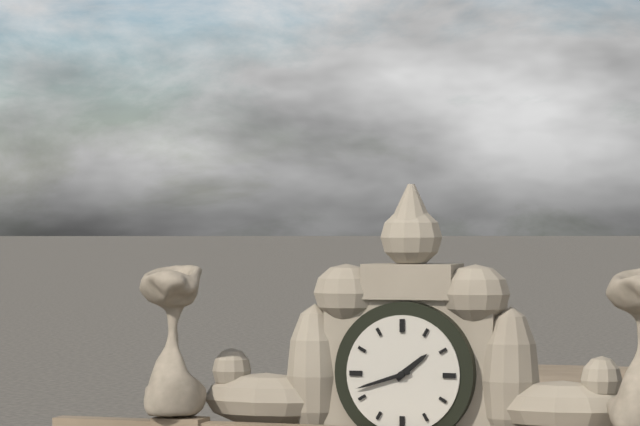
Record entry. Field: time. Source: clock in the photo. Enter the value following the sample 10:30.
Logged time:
1:42
